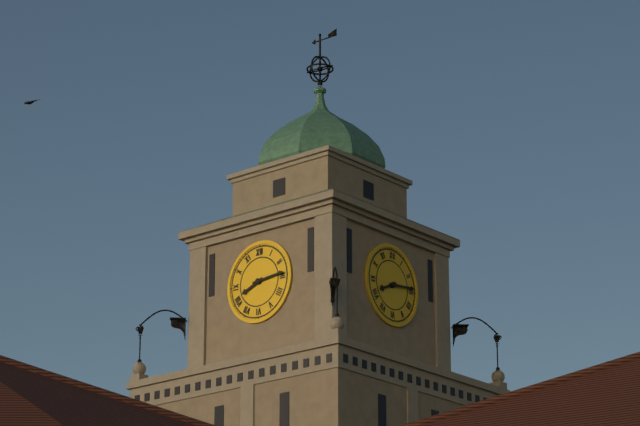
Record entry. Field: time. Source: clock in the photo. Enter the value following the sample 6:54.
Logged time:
8:14
